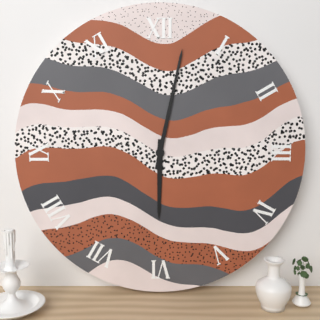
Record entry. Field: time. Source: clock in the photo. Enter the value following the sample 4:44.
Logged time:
6:02
